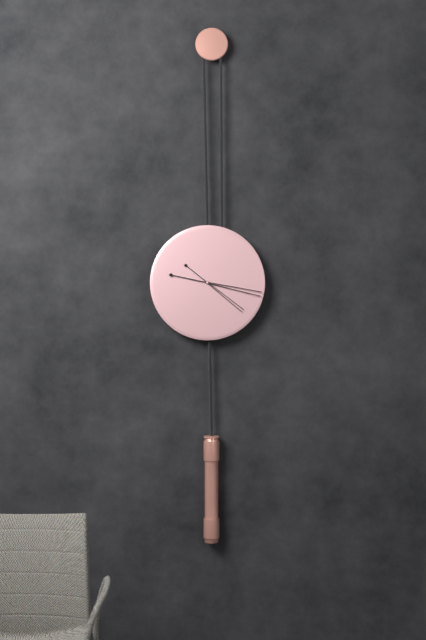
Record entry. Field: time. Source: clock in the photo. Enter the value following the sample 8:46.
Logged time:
4:17
